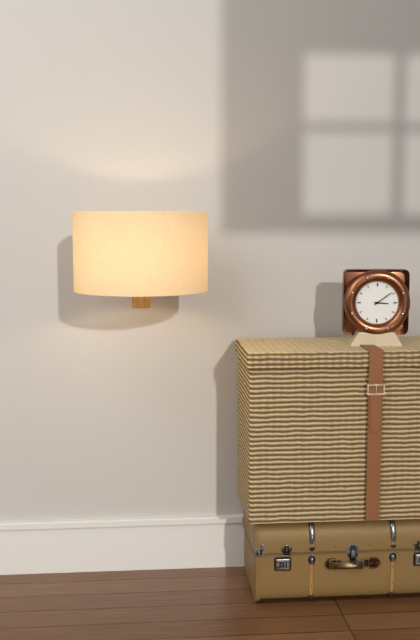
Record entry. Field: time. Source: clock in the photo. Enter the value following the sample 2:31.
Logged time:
3:09
